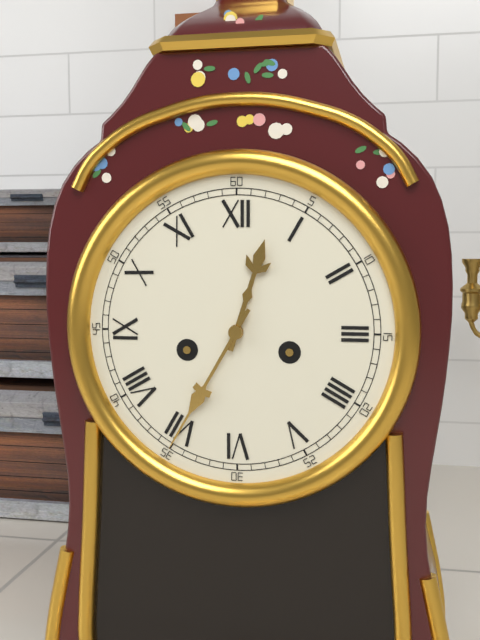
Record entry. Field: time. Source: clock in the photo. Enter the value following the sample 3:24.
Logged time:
12:35
